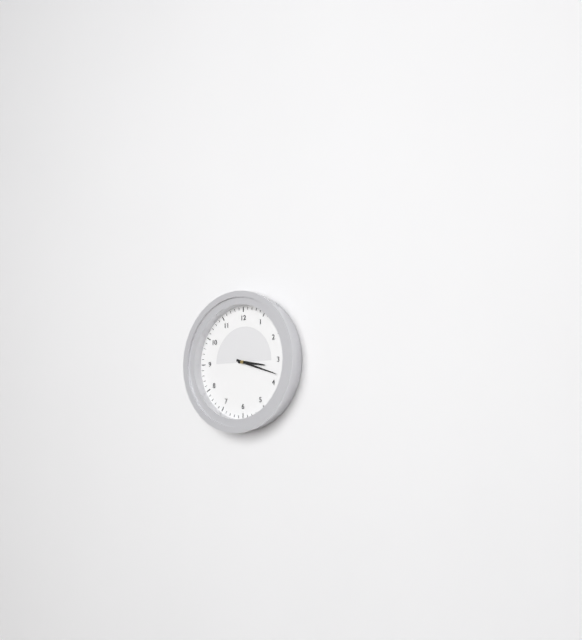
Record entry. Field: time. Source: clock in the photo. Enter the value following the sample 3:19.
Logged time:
3:18
